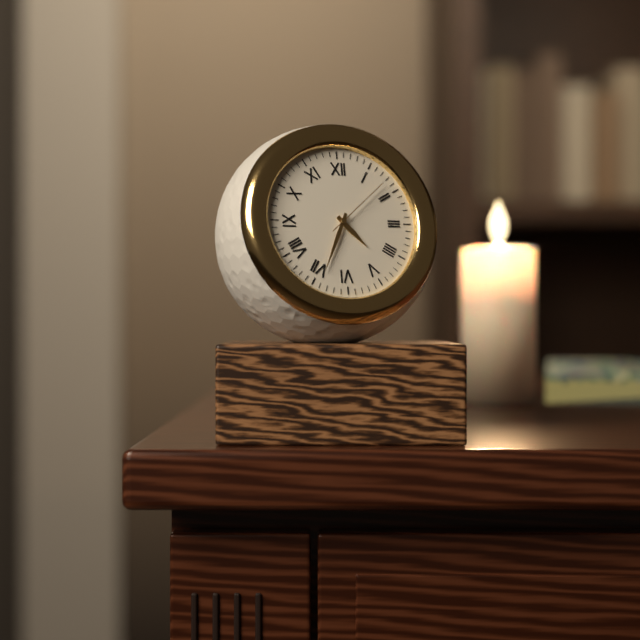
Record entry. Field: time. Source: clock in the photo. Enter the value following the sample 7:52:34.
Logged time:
4:34:08
